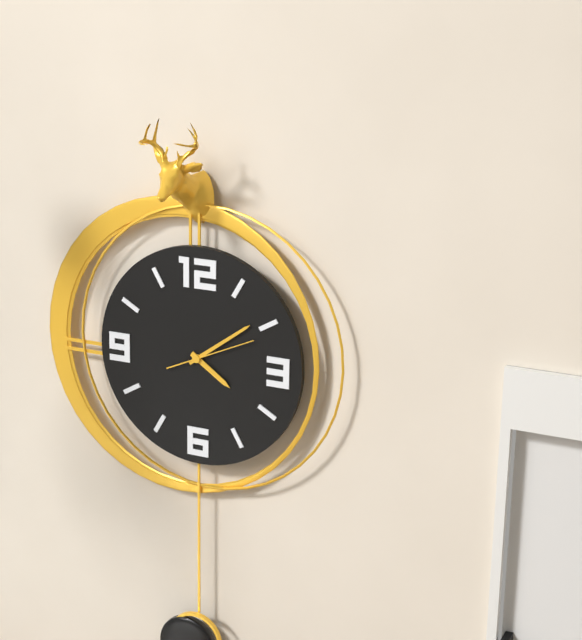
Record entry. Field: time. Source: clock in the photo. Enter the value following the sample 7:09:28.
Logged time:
4:09:11
